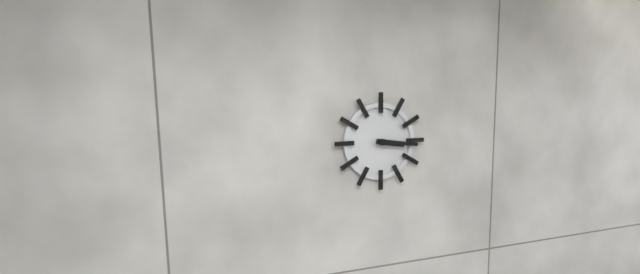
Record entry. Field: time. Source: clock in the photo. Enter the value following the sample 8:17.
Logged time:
3:16
